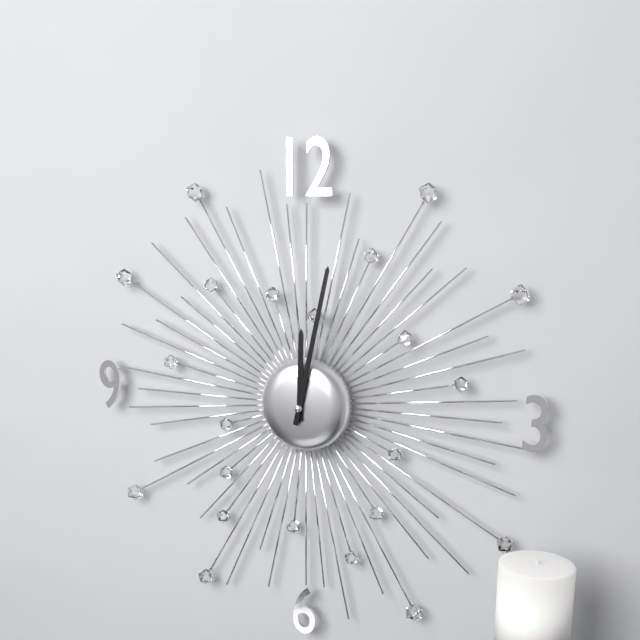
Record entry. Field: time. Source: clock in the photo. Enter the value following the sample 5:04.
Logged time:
12:02
